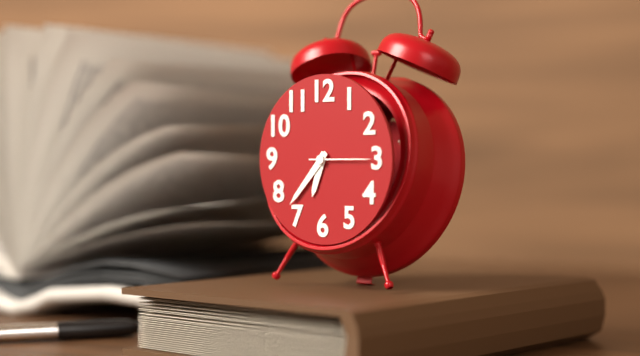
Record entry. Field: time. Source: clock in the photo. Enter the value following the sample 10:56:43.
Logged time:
6:37:15
